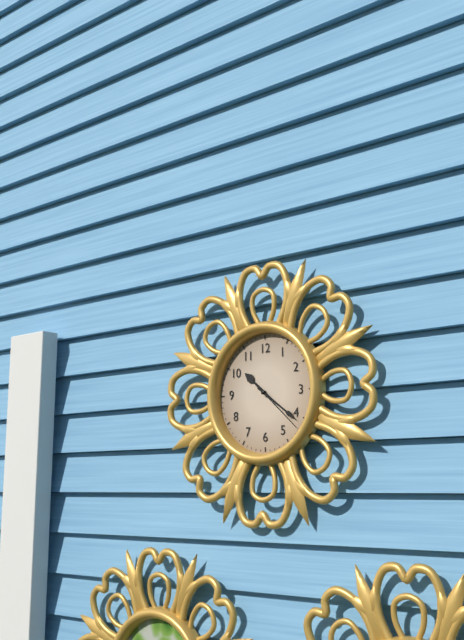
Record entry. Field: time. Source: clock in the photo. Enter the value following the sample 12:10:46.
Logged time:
10:21:22
